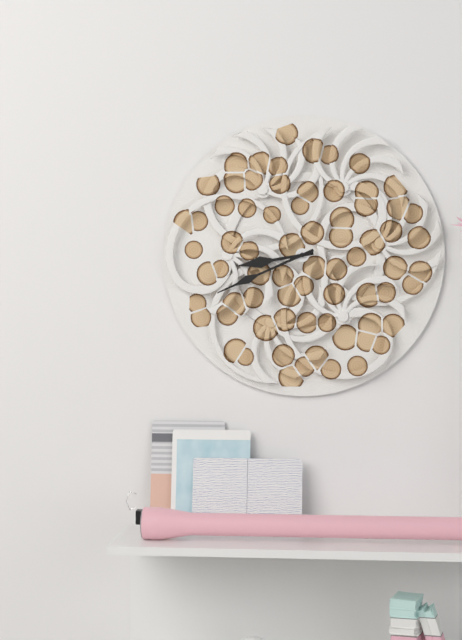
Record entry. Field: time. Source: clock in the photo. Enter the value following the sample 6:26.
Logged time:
8:41
